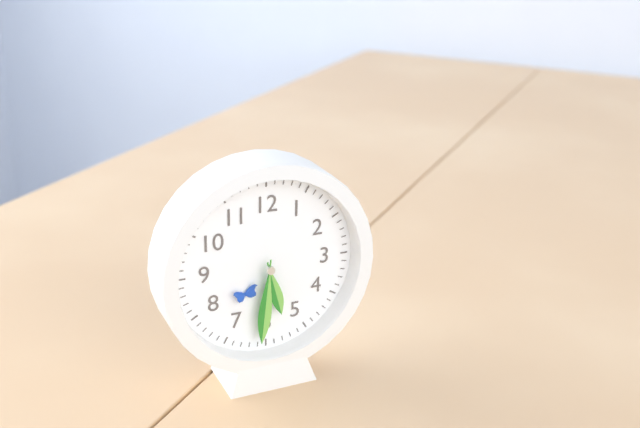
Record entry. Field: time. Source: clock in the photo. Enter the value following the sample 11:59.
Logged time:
5:31
